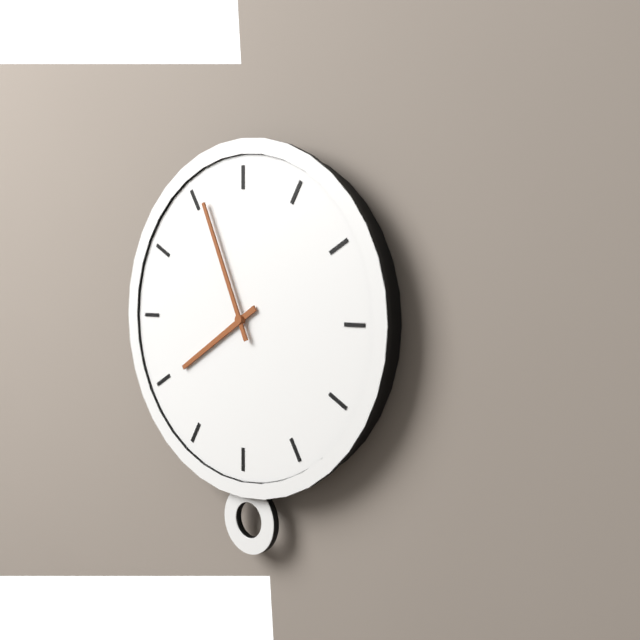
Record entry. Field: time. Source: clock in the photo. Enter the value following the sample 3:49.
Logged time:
7:56
